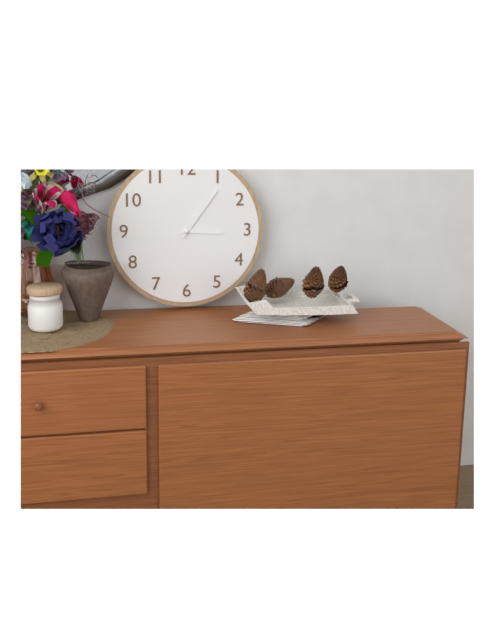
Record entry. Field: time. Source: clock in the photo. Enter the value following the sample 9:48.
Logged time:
3:06
